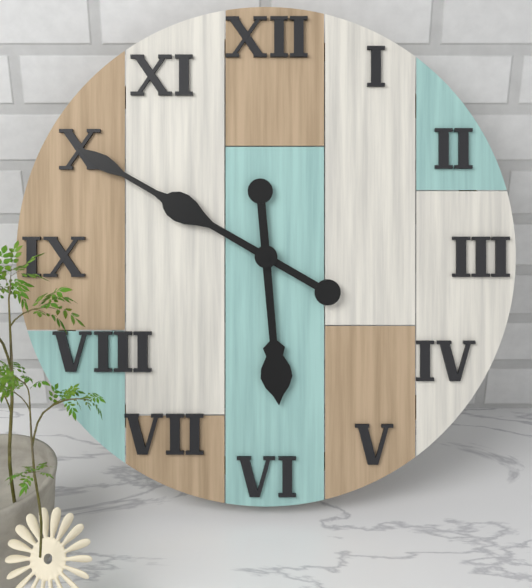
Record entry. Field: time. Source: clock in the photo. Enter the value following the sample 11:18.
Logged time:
5:50
